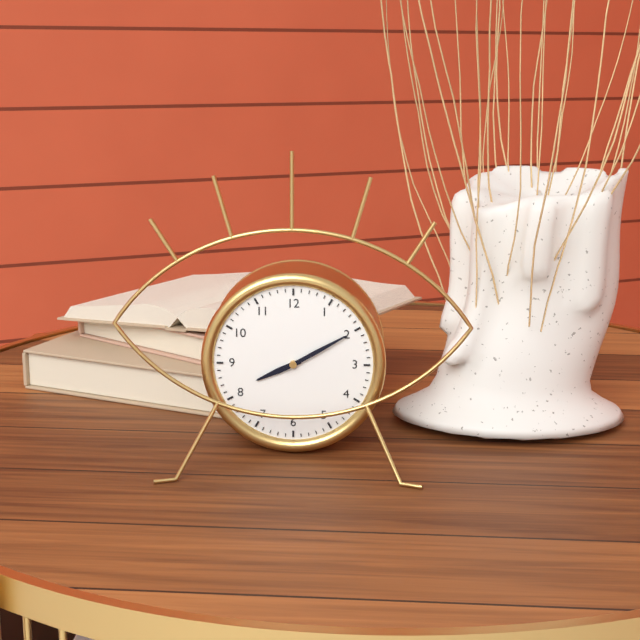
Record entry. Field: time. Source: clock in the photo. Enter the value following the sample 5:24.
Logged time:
8:10
